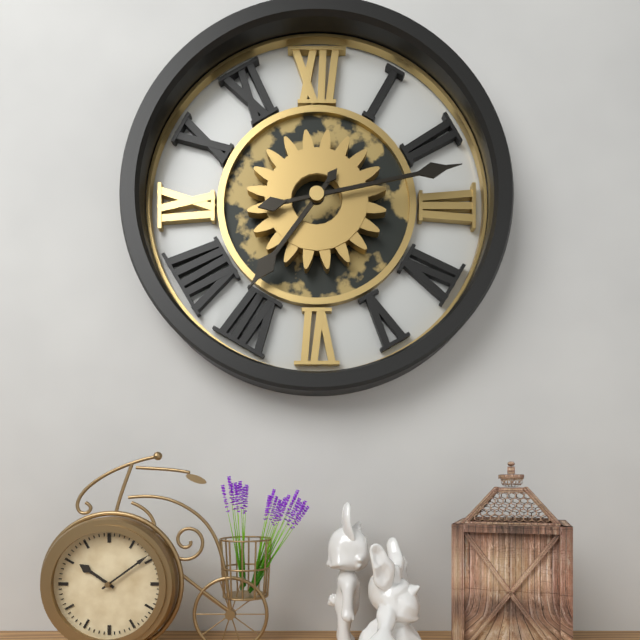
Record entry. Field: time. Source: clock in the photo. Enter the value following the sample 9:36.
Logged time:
7:13
